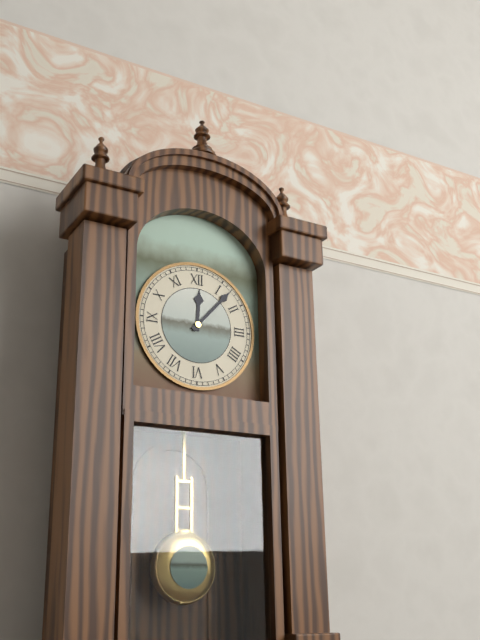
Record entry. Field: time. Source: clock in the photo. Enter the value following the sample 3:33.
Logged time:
12:07
